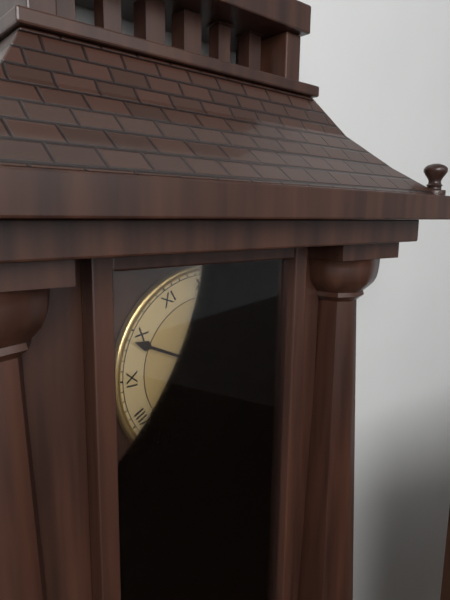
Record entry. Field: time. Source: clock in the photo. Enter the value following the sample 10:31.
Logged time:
11:49
